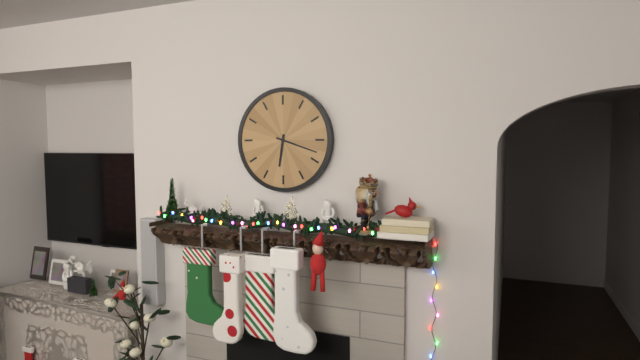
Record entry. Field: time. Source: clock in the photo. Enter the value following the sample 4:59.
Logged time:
6:18
